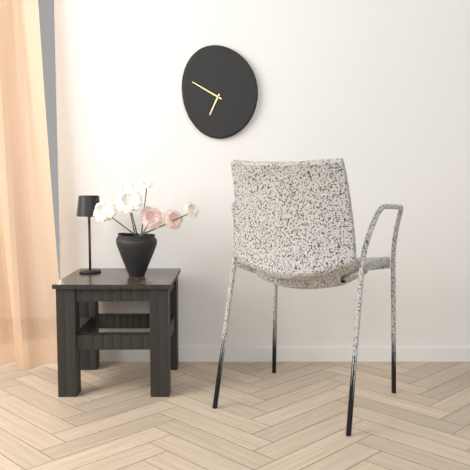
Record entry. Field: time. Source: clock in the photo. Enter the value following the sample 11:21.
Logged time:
6:50
